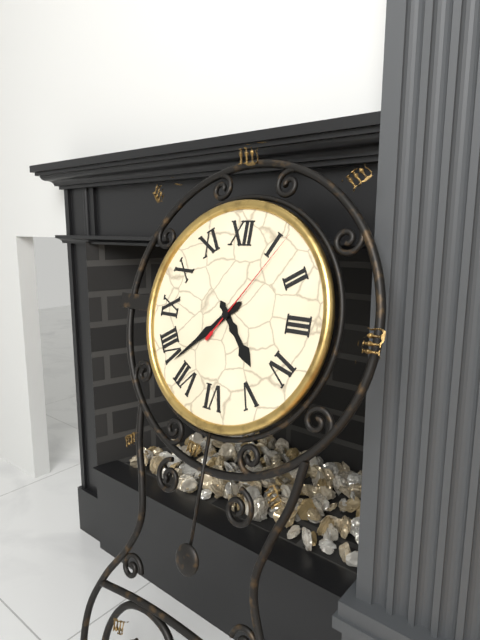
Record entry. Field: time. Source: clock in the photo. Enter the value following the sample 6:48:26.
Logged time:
4:38:06
